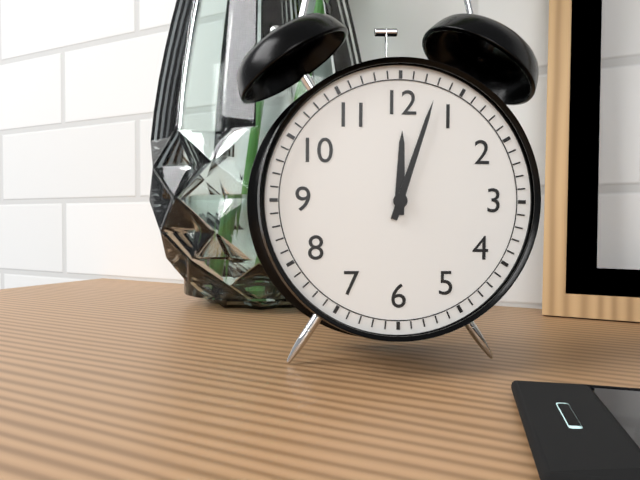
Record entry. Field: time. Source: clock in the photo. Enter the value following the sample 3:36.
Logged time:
12:03
